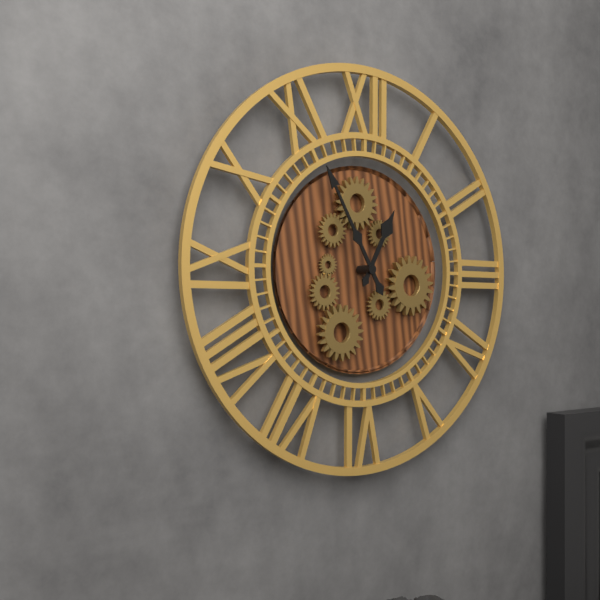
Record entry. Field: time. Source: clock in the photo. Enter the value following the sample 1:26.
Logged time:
12:55
